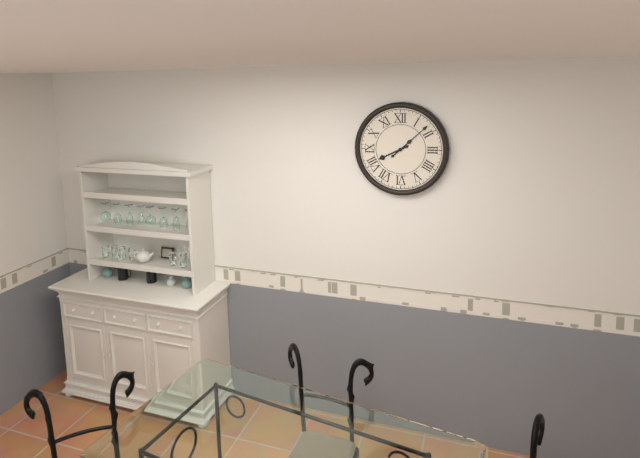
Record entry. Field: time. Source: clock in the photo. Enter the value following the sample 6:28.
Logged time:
8:08
